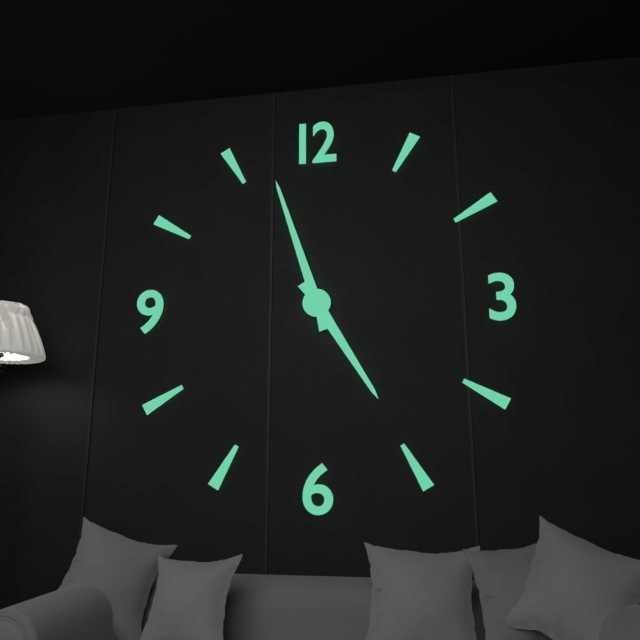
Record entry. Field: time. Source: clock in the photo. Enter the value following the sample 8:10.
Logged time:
4:57
